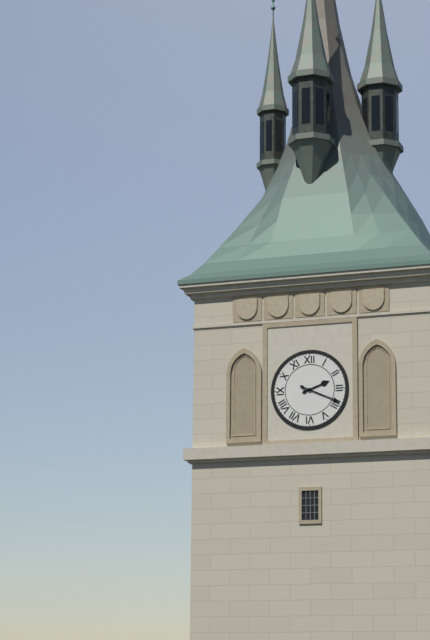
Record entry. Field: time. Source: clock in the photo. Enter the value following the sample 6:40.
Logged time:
2:19
